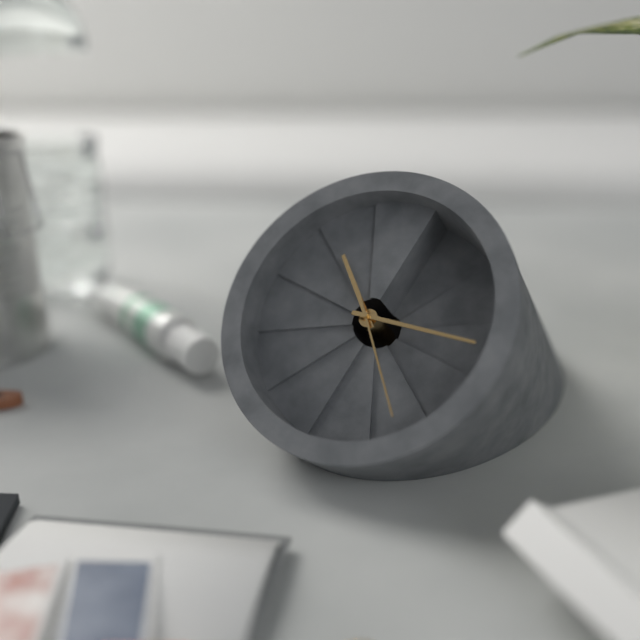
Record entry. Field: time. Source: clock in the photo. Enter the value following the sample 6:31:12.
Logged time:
10:13:22
